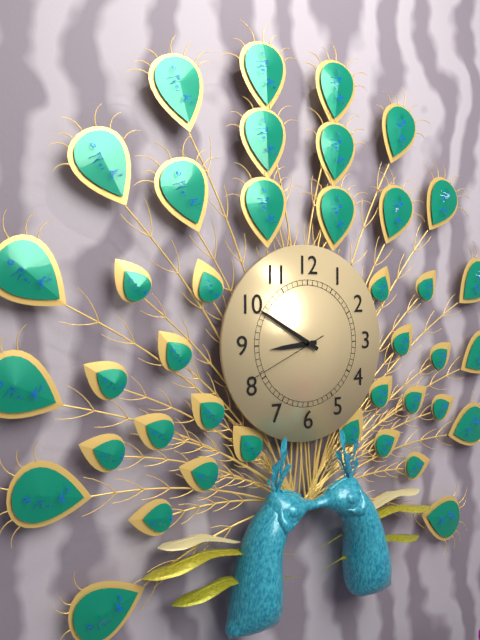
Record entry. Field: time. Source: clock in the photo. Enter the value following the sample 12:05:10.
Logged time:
8:50:41
